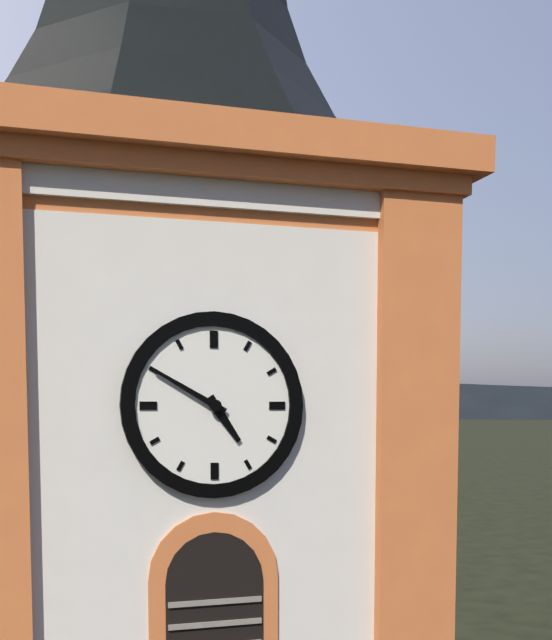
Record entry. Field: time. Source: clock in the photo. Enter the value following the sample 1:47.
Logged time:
4:50
